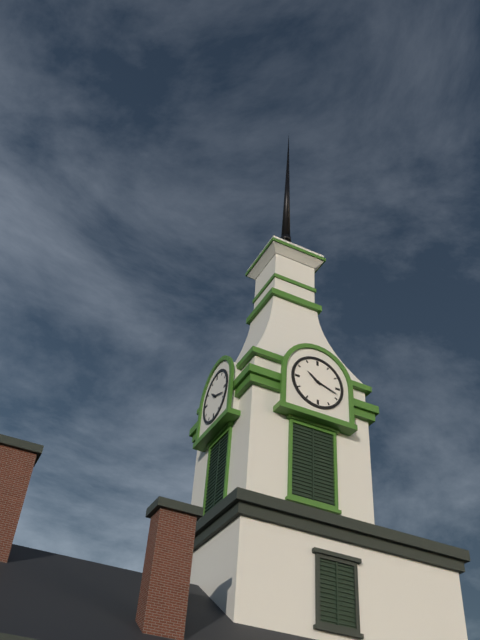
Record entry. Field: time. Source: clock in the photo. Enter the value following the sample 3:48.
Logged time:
10:18
